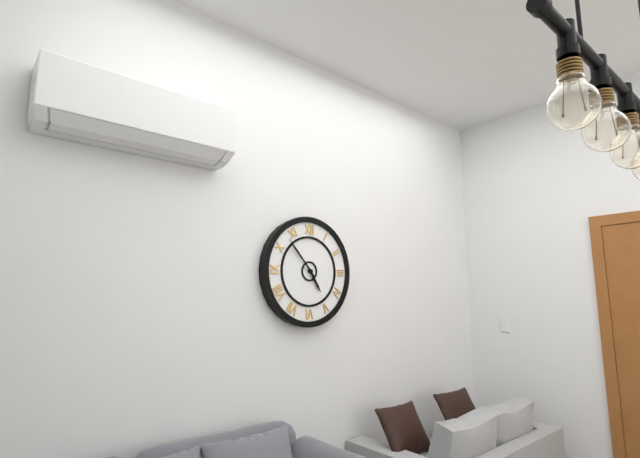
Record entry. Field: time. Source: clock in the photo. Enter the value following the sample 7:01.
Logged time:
4:53
